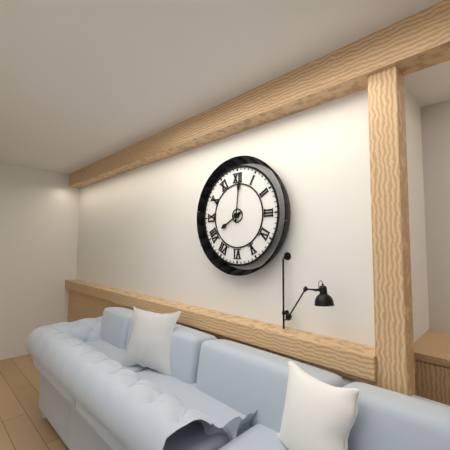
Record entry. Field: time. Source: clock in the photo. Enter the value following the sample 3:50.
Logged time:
8:01
